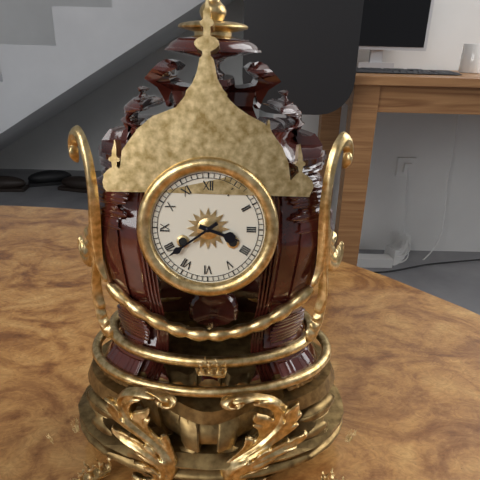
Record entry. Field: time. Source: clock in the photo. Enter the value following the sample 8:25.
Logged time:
3:39
